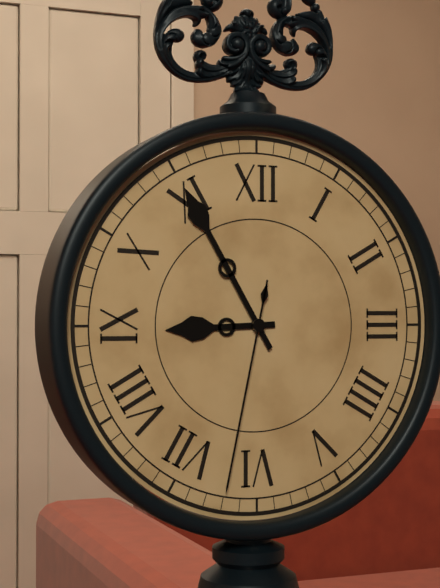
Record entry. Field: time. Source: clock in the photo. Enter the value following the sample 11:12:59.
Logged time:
8:55:32
